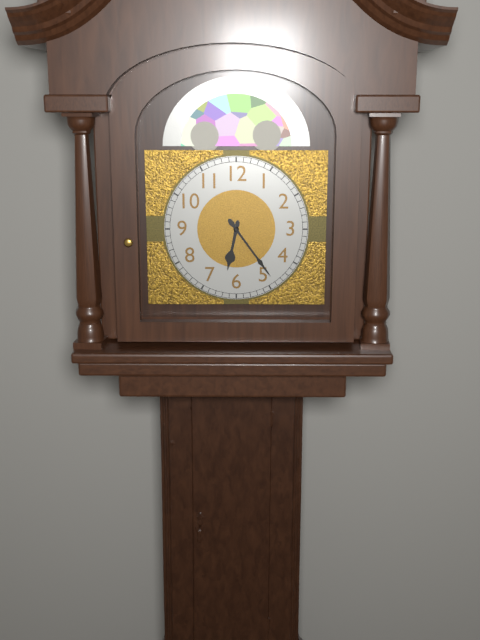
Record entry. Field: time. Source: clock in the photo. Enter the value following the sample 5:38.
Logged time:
6:24
